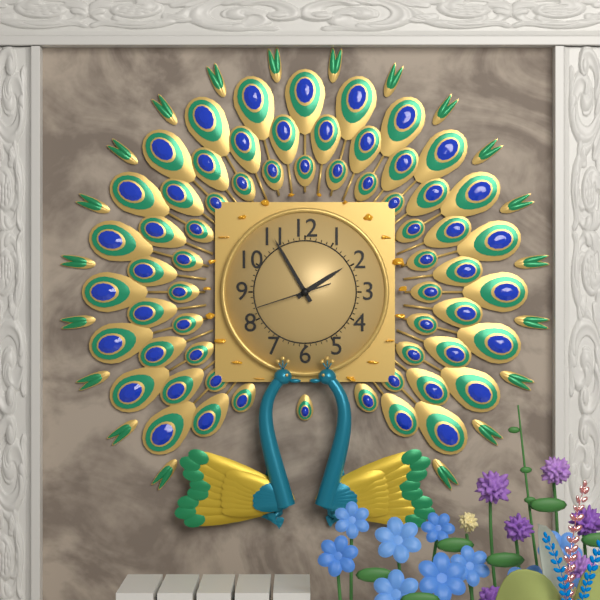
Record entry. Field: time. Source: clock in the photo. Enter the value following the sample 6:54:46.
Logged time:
1:55:42
